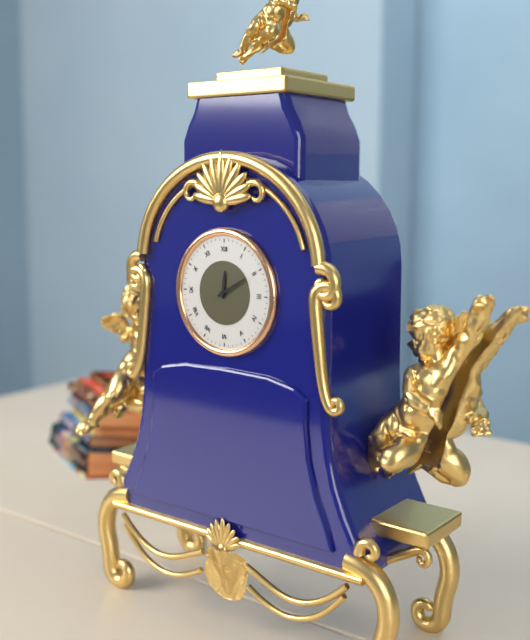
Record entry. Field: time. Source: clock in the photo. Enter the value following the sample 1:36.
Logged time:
12:10
